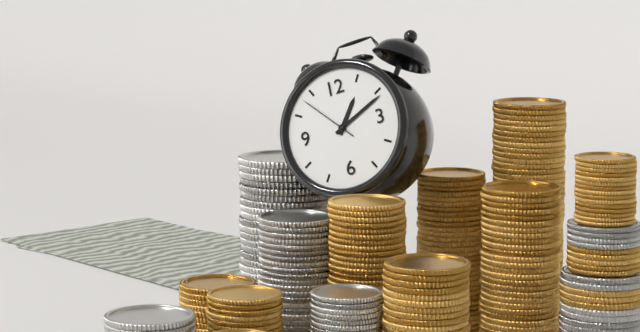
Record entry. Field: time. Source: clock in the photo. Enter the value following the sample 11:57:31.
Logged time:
1:11:53
